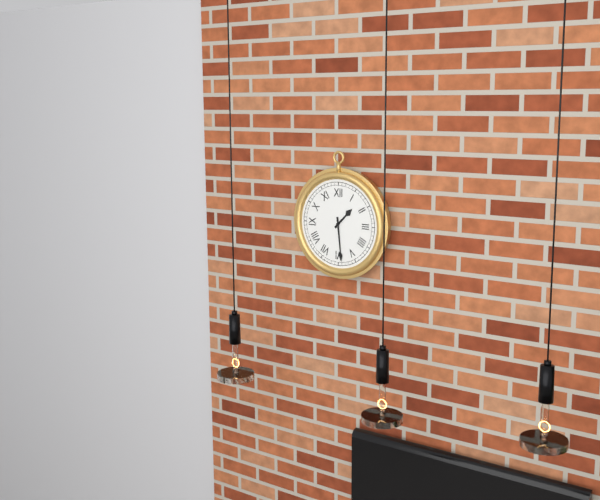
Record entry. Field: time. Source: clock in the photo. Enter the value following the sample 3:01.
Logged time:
1:29
